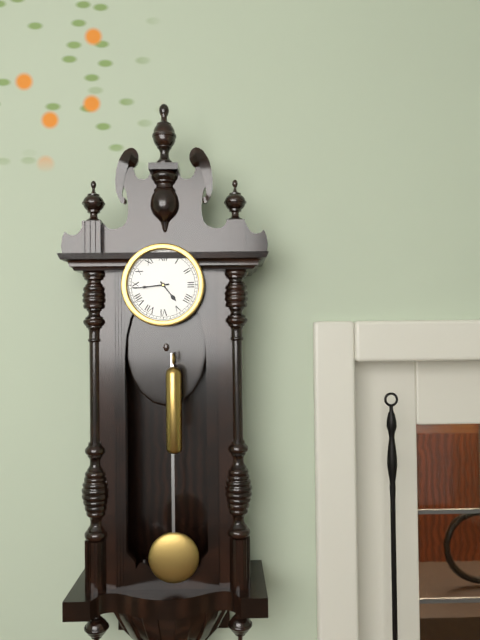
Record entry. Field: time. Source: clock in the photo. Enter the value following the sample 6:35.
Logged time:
4:44
